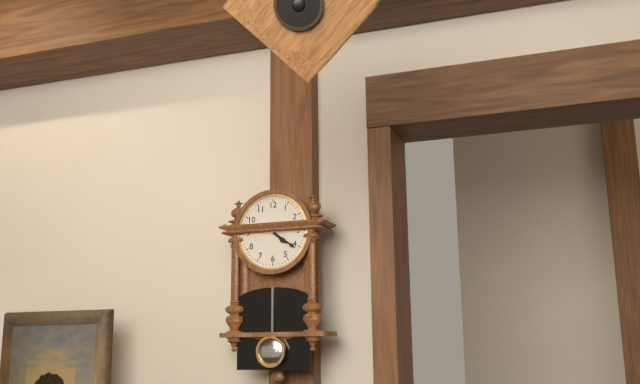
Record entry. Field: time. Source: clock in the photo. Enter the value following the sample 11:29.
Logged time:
4:21
